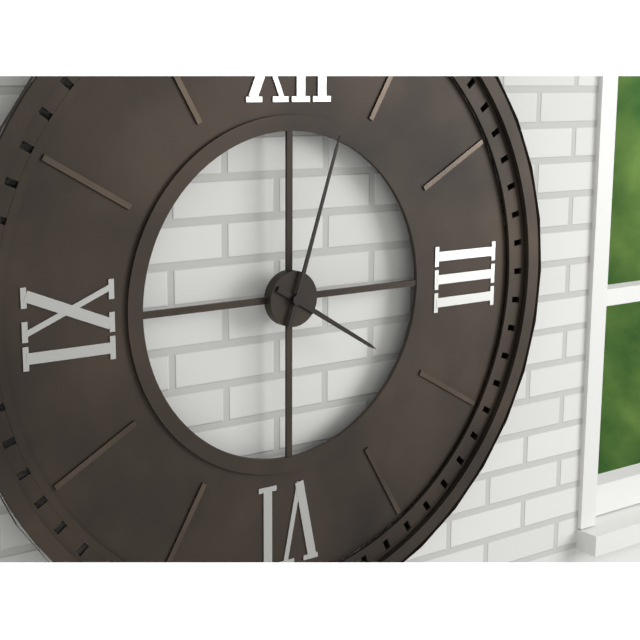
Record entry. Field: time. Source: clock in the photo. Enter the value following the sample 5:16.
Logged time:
4:03
